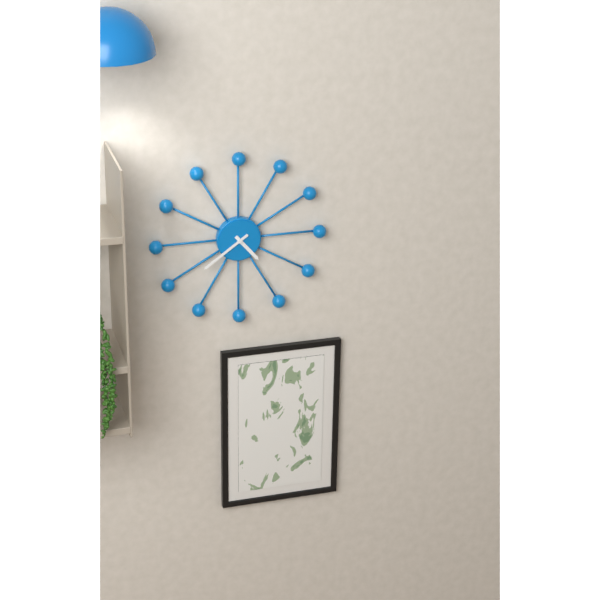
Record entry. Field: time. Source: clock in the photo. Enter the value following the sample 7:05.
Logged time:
4:39
